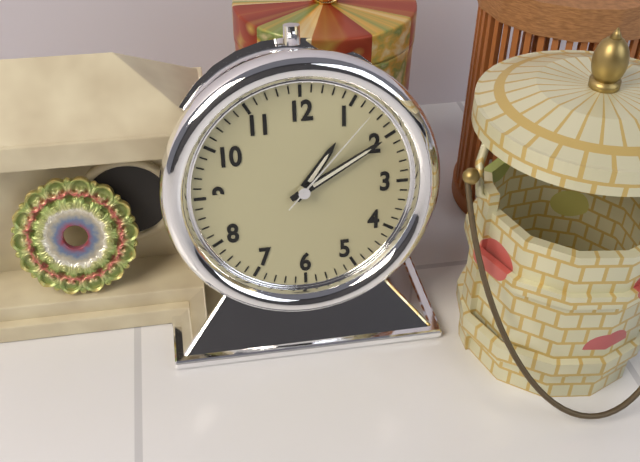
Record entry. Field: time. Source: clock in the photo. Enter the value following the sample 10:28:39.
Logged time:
1:10:07
